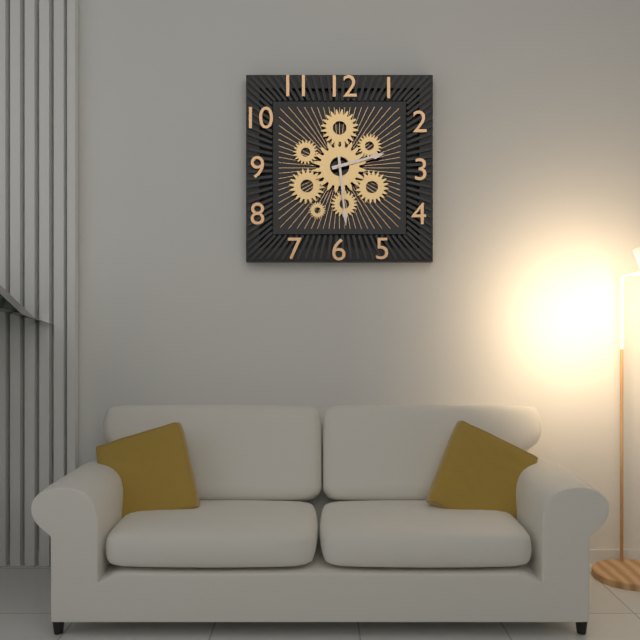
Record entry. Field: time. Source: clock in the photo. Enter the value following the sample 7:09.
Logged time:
2:29
